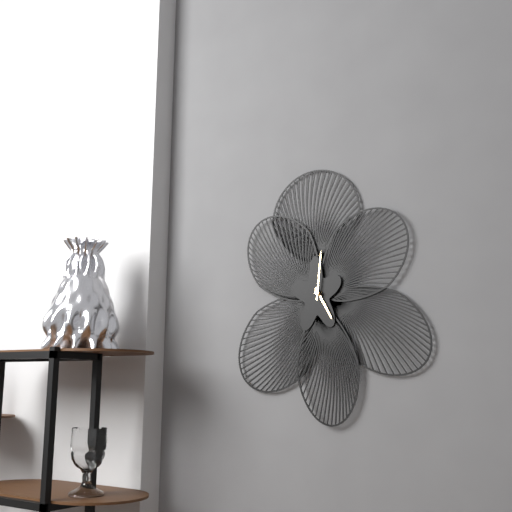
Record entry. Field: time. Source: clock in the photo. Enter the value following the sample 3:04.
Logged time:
5:01
